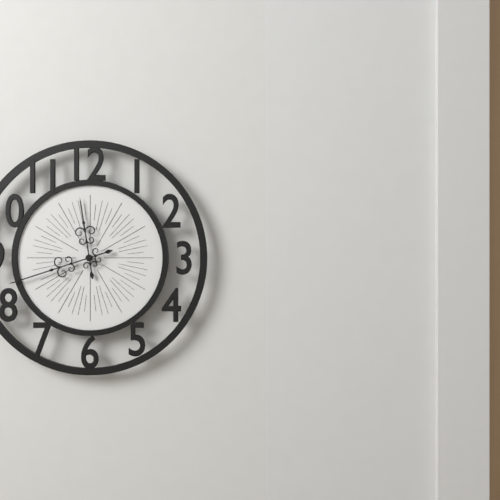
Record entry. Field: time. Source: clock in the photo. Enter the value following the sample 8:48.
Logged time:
11:42
